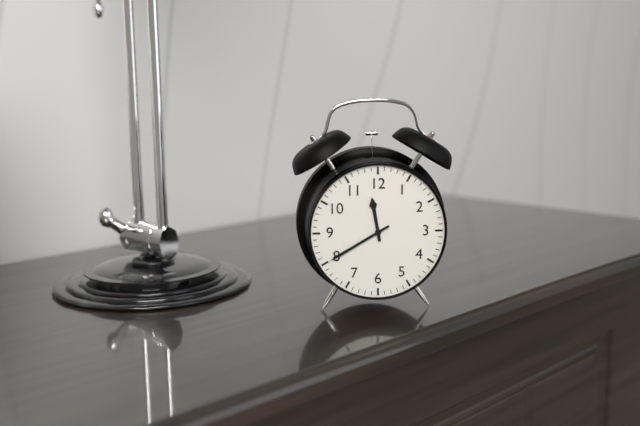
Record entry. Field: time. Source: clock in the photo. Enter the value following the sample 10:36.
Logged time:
11:40
